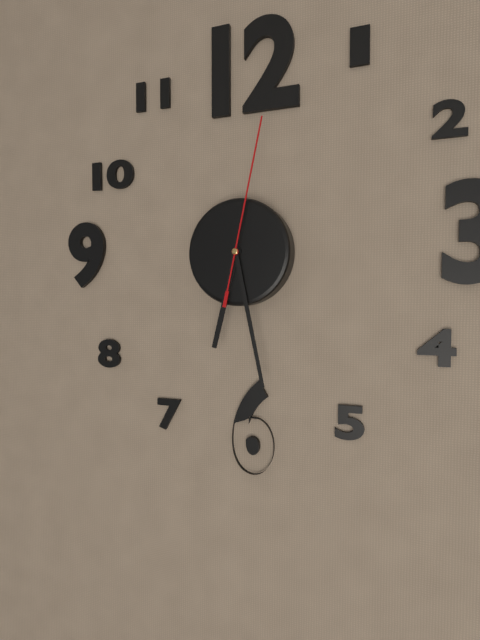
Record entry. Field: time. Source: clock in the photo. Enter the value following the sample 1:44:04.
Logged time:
6:28:02
